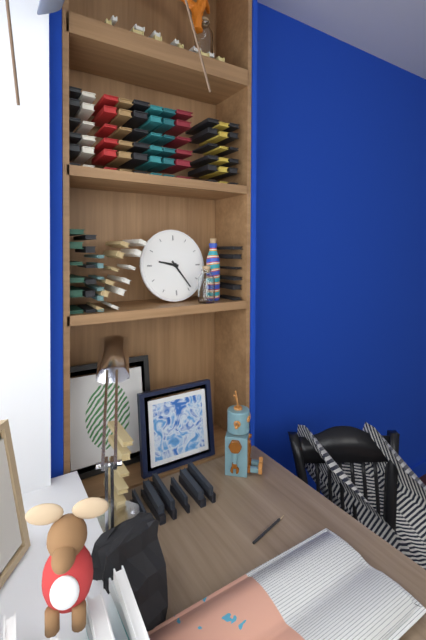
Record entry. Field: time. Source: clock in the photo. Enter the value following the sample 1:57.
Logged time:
9:24
